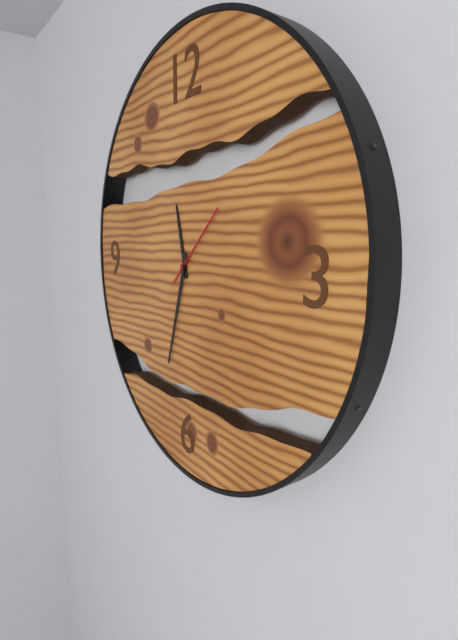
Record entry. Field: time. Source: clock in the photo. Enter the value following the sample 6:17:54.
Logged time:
11:33:08
